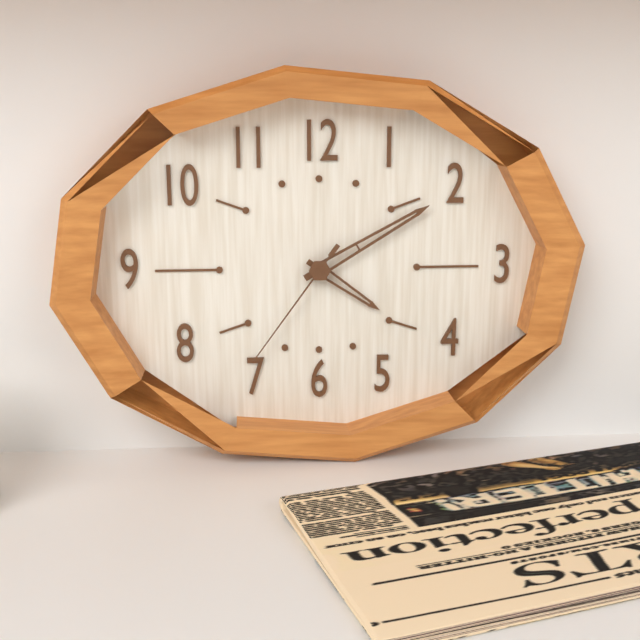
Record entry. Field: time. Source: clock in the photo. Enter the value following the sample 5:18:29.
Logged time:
4:10:36
